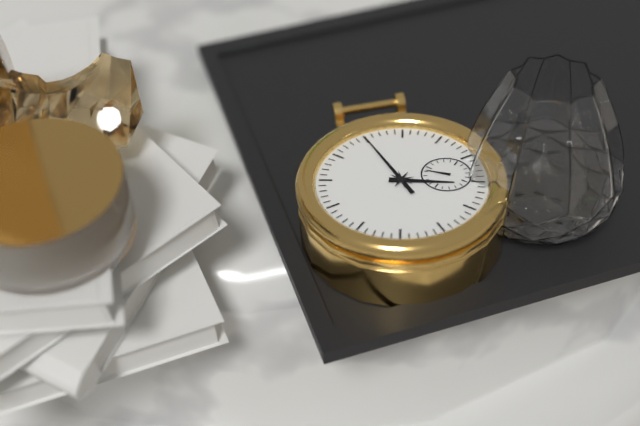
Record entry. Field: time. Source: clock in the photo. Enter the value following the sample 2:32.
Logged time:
5:05
